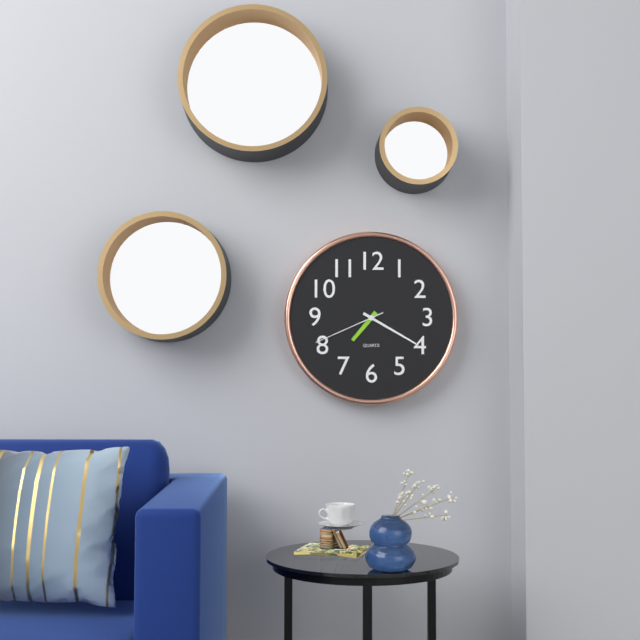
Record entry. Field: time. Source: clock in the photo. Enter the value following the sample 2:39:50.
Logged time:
7:20:41
